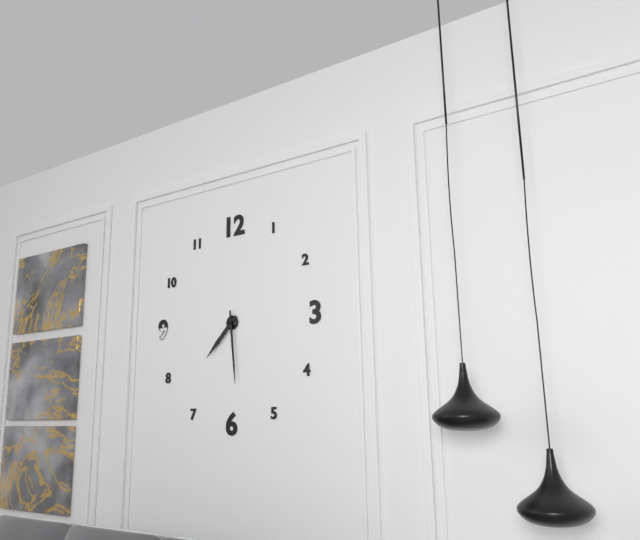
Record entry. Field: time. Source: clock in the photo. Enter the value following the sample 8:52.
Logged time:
7:29
